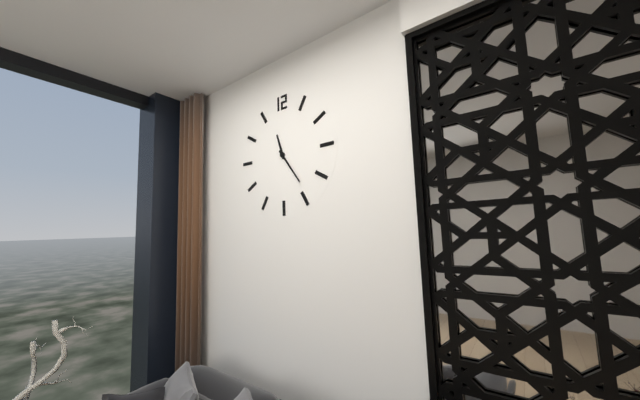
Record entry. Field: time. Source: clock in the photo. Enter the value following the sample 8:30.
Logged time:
11:24
